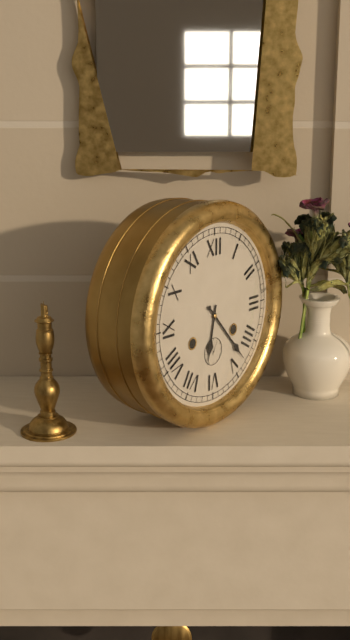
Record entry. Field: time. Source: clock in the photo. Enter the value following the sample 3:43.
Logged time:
6:23
